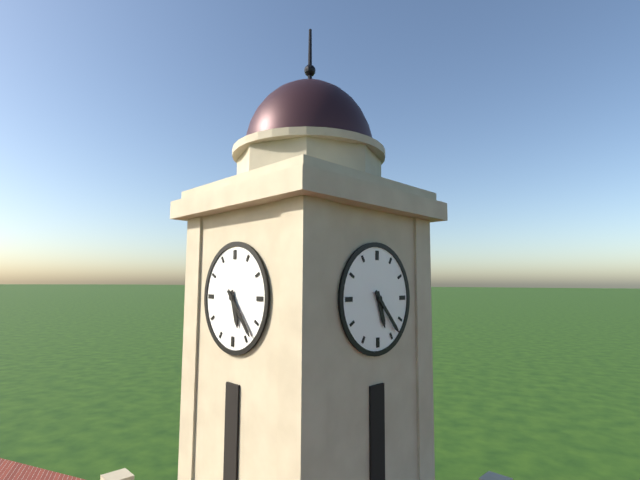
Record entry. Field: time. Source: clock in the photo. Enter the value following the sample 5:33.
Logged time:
5:23
